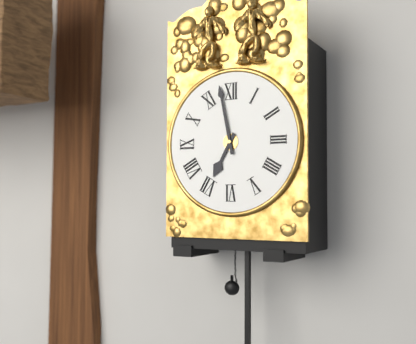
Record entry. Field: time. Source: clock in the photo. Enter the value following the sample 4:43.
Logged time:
6:58
